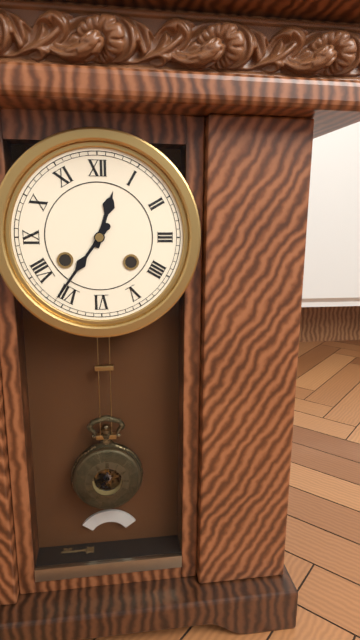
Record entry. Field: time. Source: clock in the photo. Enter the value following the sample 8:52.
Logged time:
12:36
